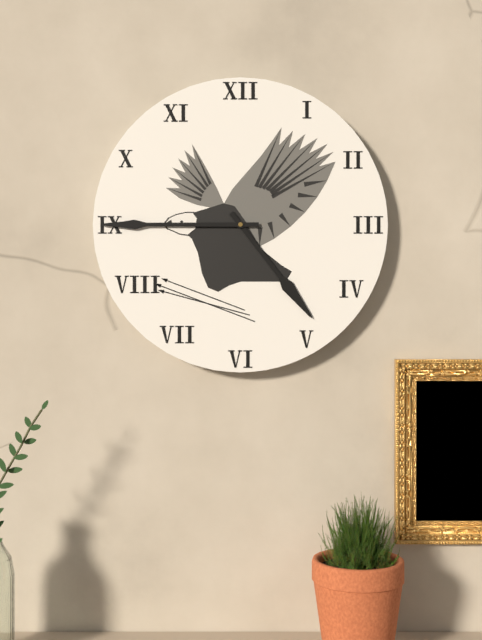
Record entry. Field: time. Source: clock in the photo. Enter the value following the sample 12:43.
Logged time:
4:45
